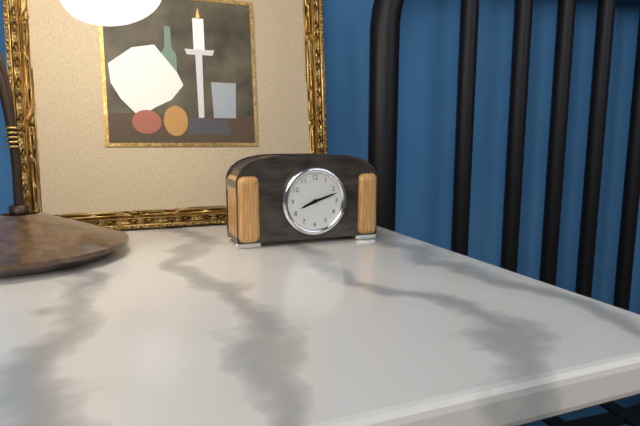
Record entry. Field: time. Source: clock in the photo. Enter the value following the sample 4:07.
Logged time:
8:12
